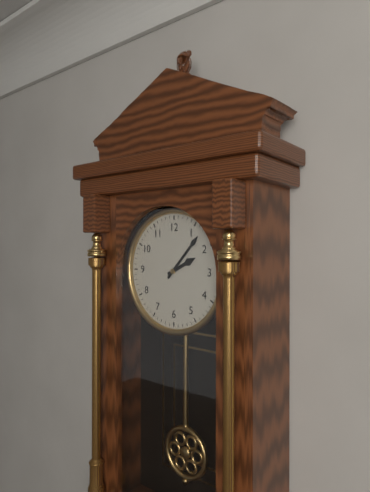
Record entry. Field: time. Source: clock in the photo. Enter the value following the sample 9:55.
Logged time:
2:07
